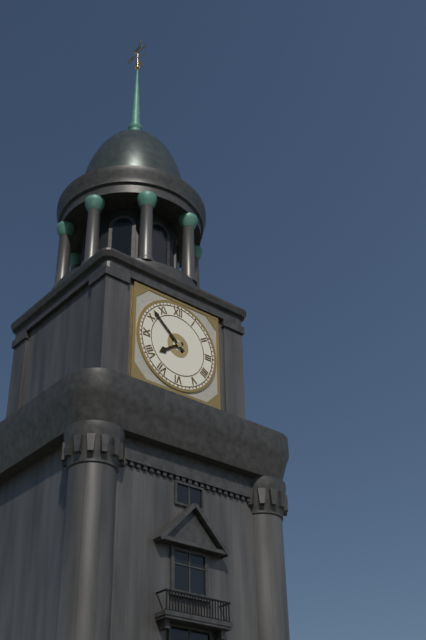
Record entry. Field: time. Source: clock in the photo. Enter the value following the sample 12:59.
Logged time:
7:52
